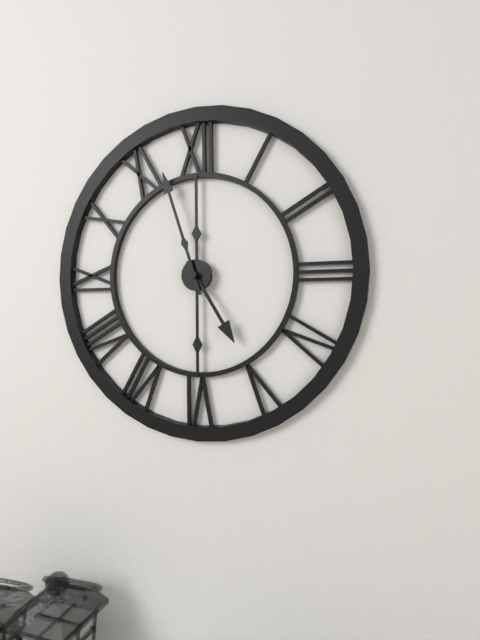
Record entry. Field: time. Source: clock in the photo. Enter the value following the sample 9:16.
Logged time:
4:57
